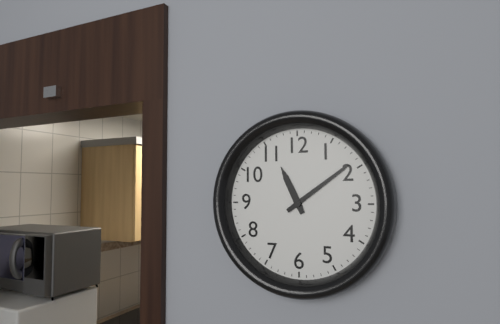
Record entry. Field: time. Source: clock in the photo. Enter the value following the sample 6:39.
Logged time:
11:09
